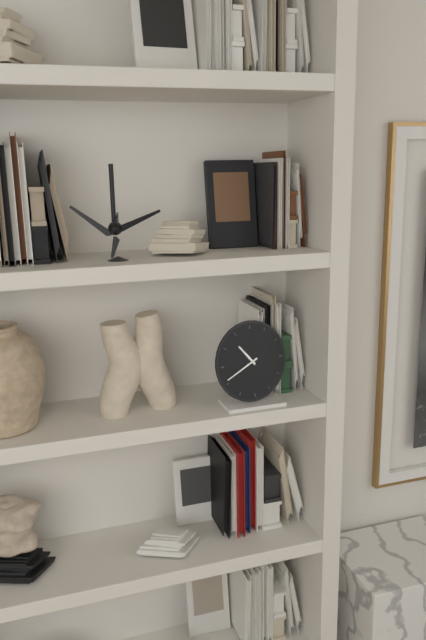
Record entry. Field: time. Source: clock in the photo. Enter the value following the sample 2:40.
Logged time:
10:41
